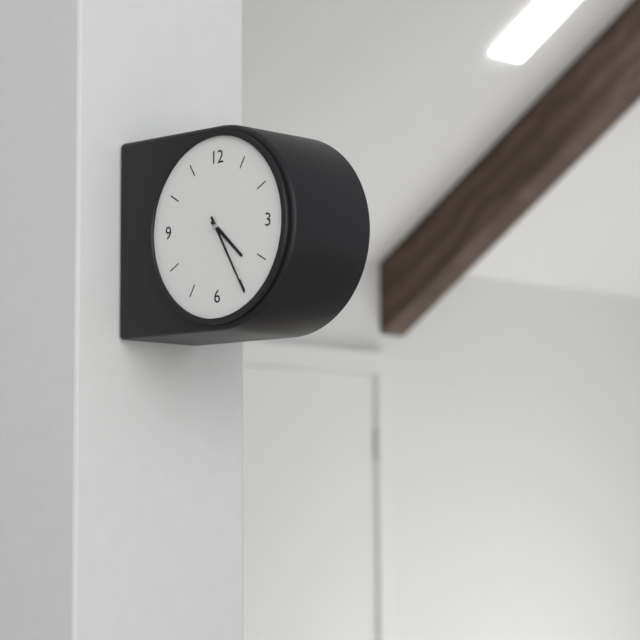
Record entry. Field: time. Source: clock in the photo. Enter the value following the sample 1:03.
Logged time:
4:25
